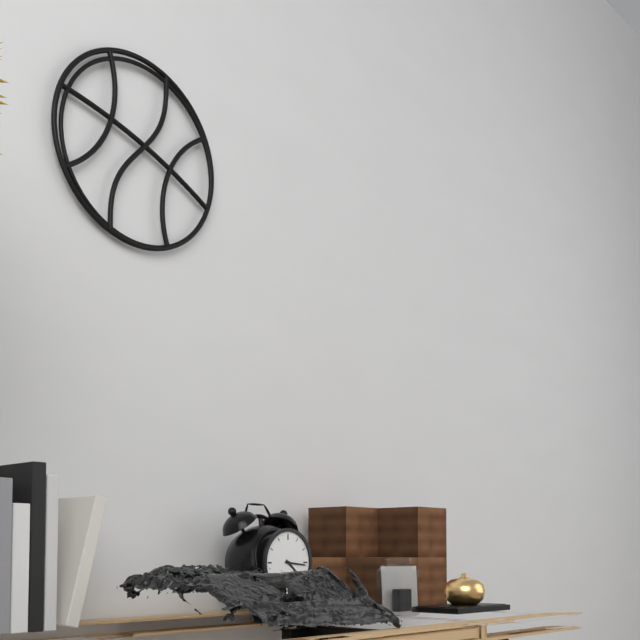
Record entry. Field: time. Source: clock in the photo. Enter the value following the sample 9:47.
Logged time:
4:16
